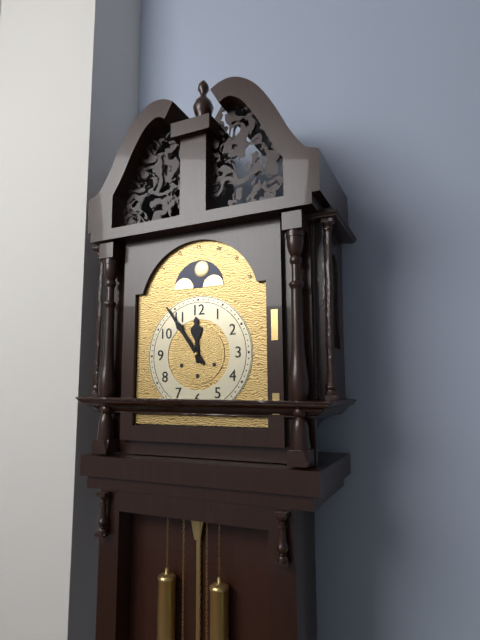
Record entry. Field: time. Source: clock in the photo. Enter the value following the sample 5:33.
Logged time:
11:54
